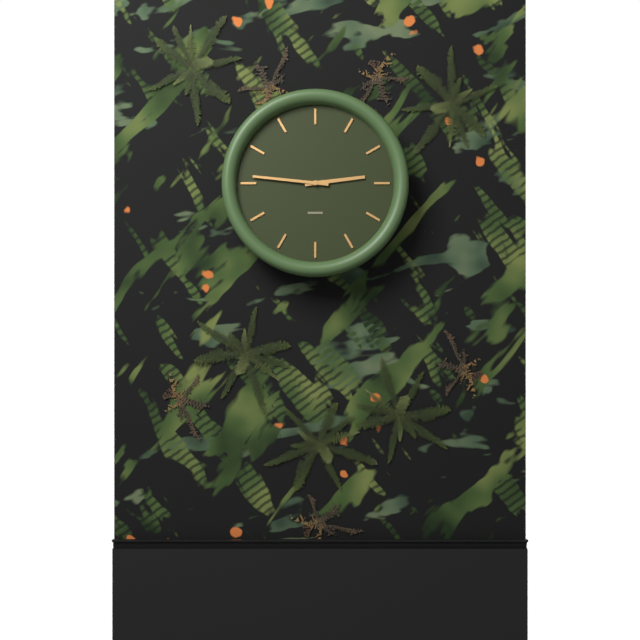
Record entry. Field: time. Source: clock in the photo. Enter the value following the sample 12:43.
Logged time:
2:46
